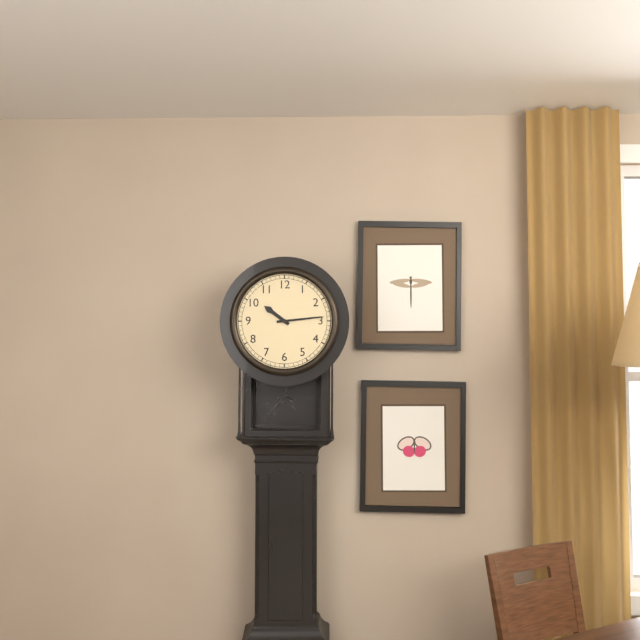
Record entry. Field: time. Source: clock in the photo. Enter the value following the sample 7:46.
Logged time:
10:14
